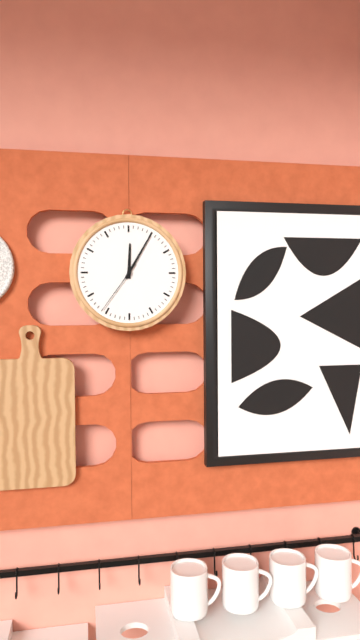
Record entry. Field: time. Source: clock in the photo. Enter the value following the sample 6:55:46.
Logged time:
12:05:36
